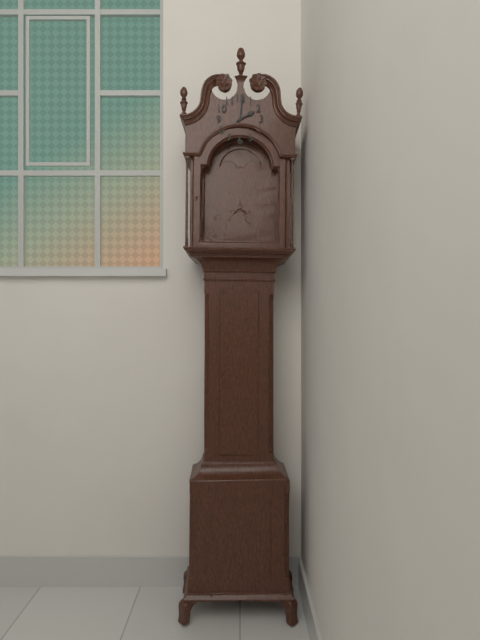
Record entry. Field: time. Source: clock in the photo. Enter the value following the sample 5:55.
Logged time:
2:01
